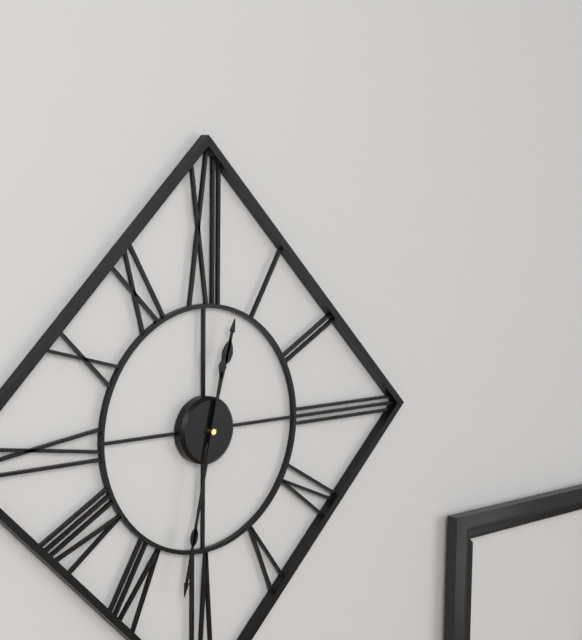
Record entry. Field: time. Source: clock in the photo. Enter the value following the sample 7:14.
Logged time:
12:32
